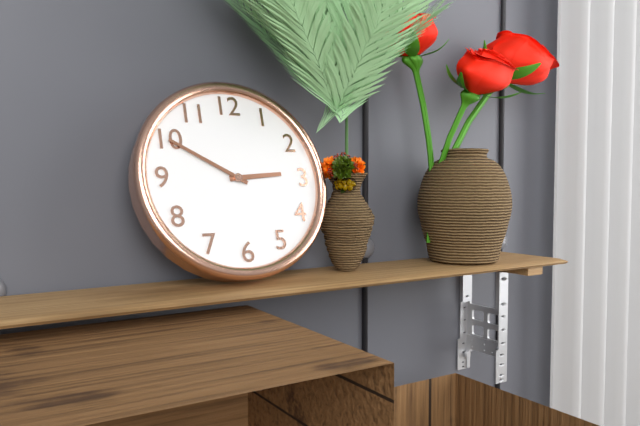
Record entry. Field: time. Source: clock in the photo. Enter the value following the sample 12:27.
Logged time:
2:50
